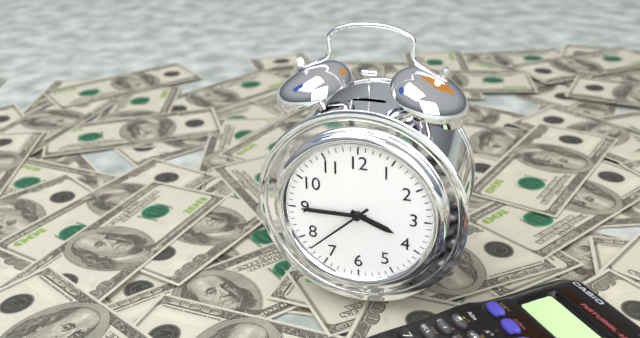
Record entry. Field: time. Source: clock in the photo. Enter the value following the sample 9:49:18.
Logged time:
3:45:38
